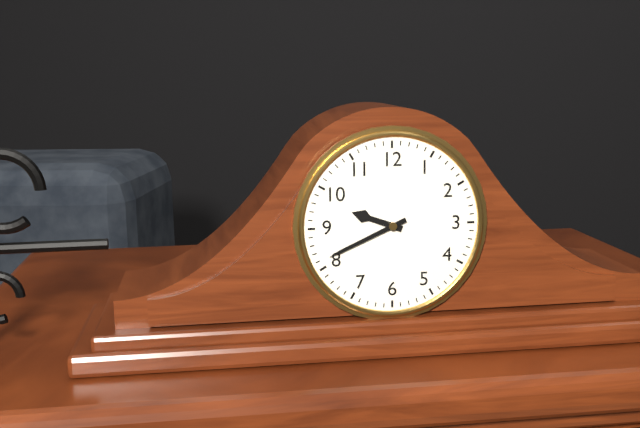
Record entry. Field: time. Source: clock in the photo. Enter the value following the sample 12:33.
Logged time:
9:41
